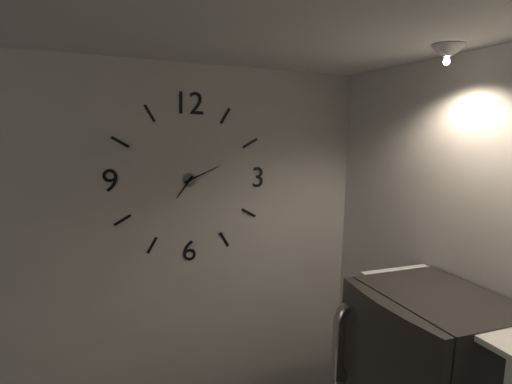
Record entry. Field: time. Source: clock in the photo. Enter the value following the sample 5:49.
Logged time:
7:11
